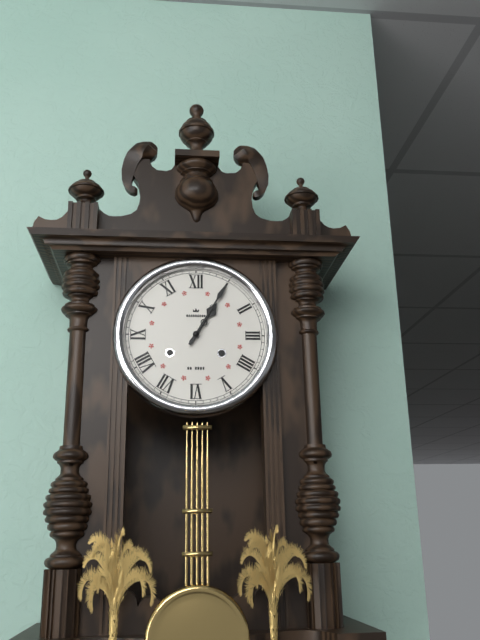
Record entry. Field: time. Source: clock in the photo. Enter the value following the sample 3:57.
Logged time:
1:05
